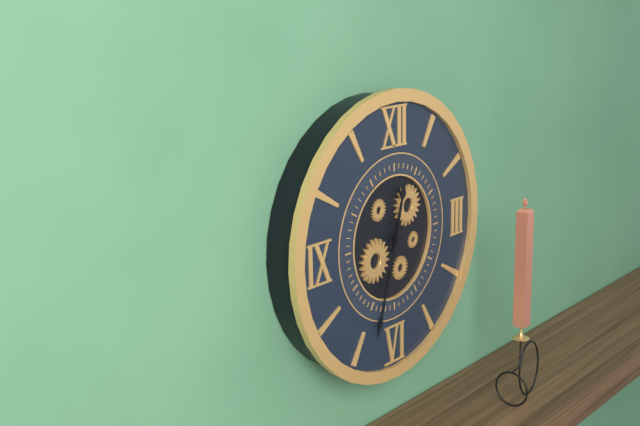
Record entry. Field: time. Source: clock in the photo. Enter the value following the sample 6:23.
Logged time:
12:33
